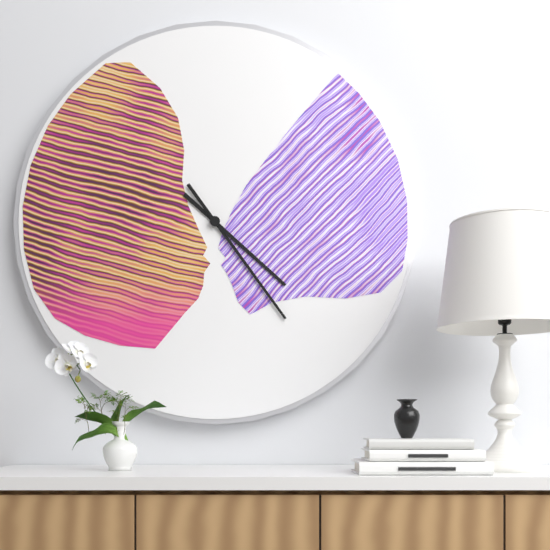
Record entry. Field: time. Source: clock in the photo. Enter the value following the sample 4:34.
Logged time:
4:24
